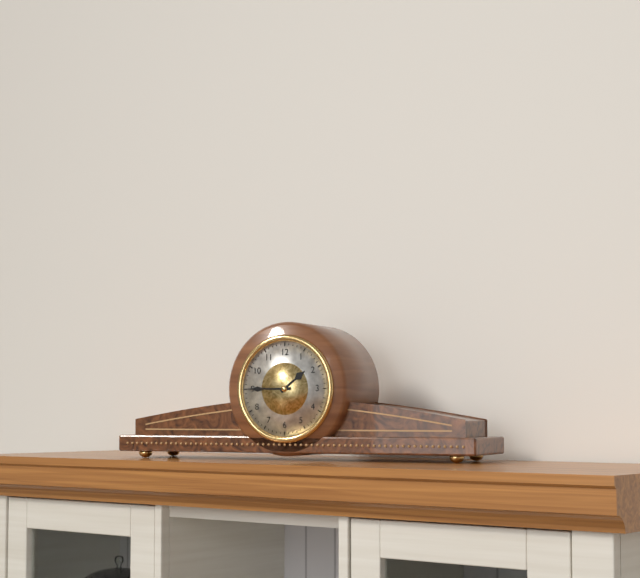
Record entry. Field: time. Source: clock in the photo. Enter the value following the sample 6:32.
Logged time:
1:45
